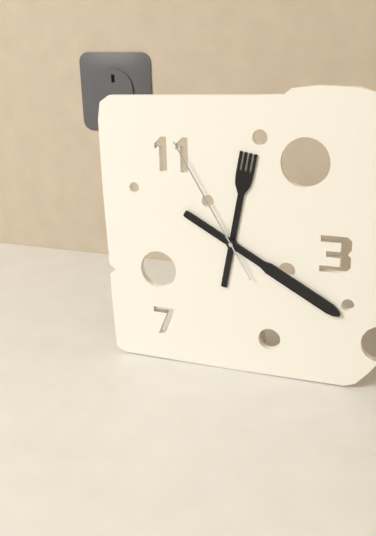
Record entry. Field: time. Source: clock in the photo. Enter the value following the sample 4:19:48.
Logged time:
12:20:55
